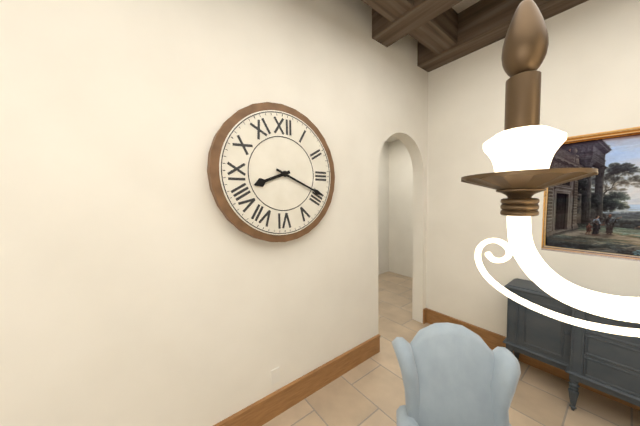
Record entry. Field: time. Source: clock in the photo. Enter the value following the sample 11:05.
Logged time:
8:19
